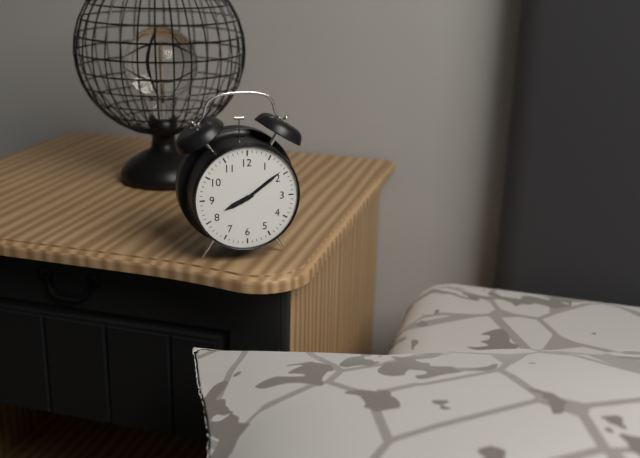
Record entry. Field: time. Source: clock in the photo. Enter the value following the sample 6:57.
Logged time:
8:09
